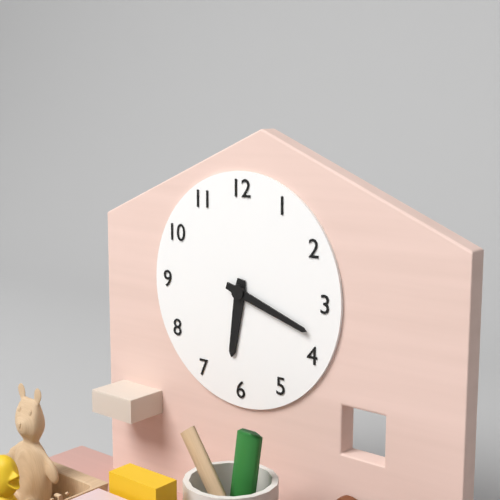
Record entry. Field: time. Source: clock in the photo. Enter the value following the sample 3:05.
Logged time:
6:18
